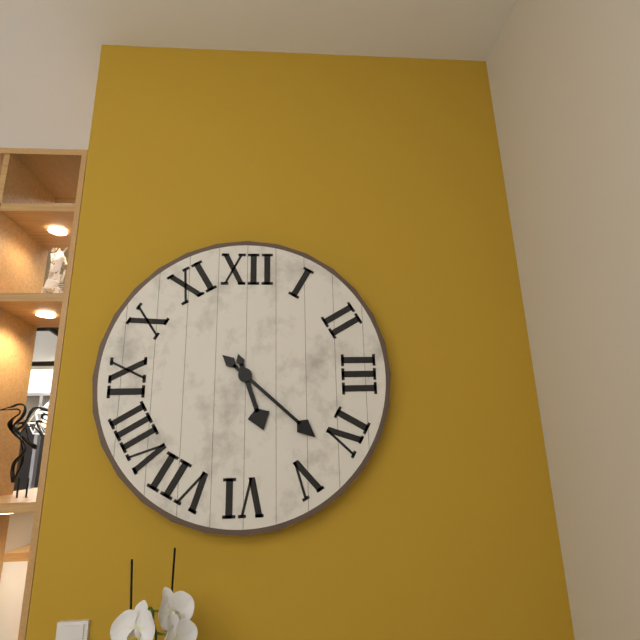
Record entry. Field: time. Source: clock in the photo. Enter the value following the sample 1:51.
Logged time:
5:22
